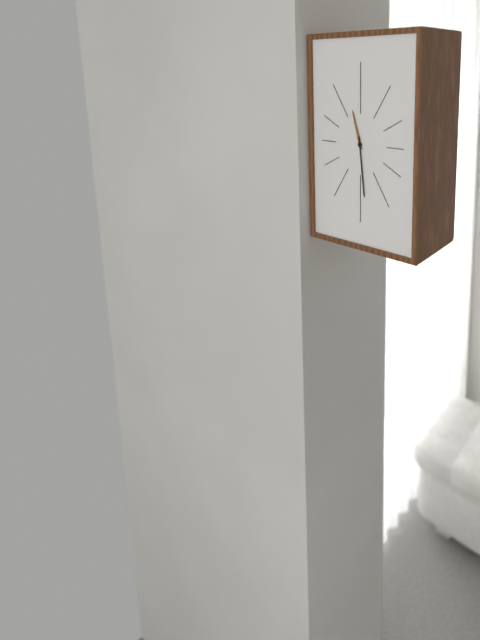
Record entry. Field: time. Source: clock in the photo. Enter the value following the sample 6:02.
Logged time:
11:29
